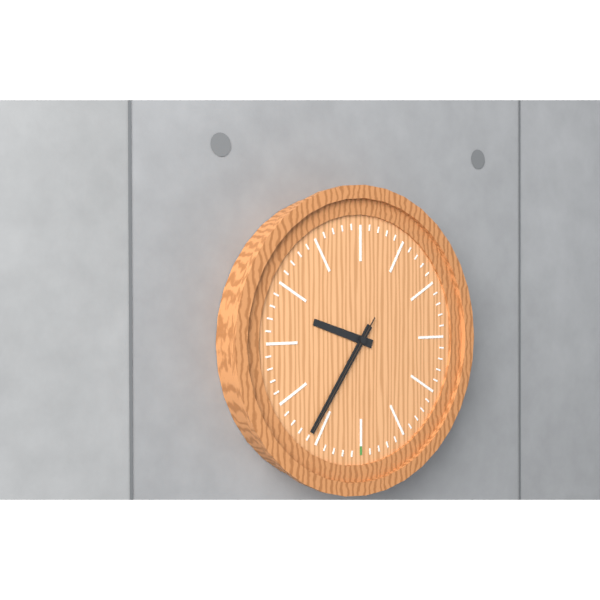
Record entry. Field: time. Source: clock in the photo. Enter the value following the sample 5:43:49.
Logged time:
9:36:36
